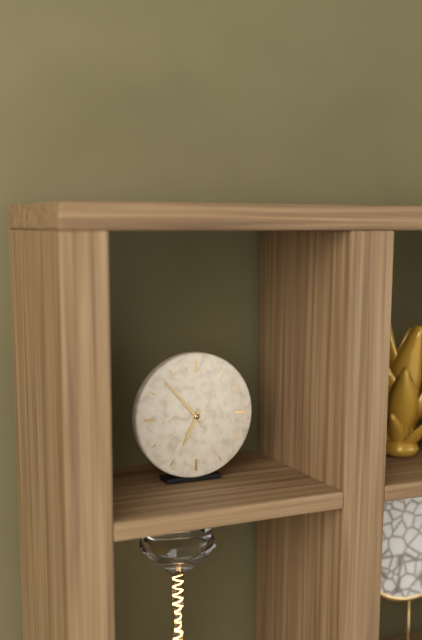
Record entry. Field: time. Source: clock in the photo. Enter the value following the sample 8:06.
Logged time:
6:53
